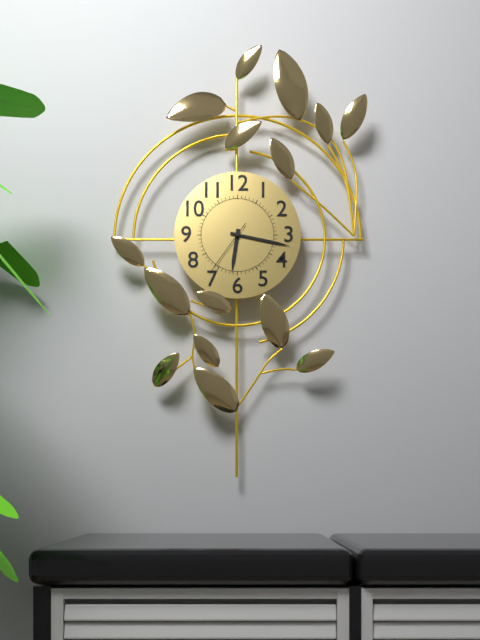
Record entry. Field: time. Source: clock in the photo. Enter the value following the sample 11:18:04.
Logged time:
6:17:36
